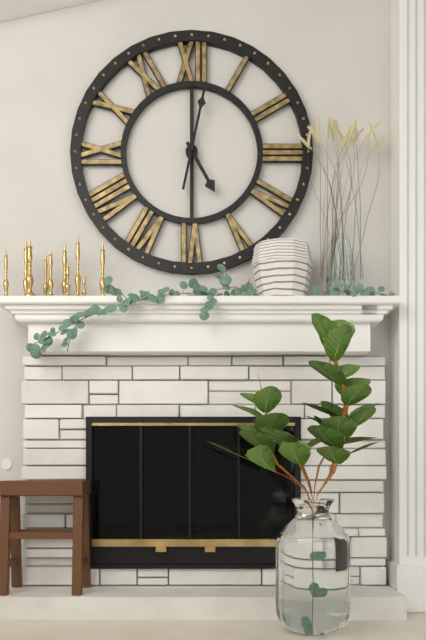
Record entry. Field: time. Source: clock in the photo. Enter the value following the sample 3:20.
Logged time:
5:02
